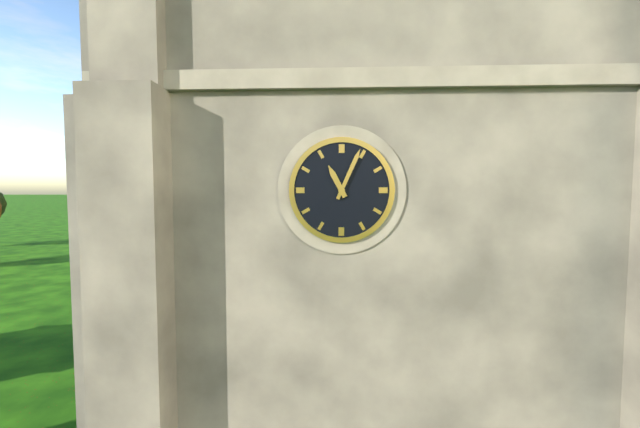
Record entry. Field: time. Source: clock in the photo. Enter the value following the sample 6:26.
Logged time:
11:04
